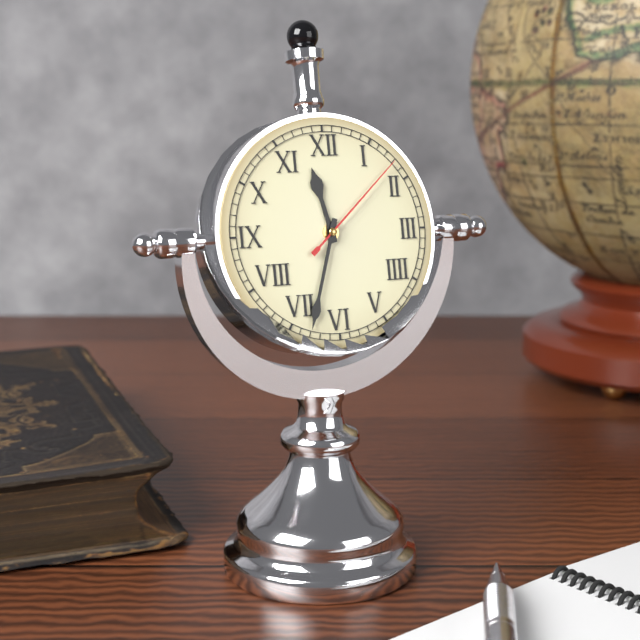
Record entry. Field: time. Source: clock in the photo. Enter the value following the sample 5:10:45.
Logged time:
11:33:08
